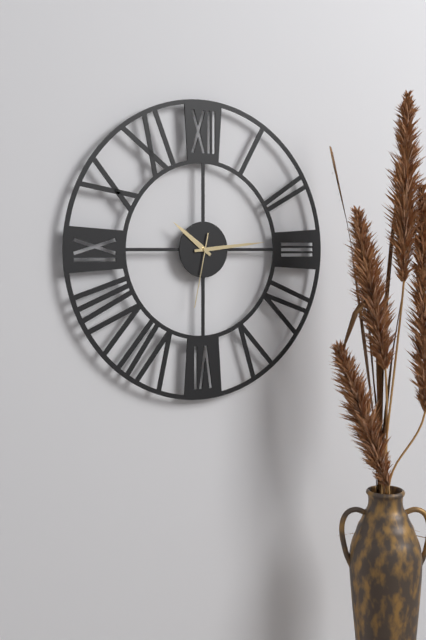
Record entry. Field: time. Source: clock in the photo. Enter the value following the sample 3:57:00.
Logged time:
10:14:32
